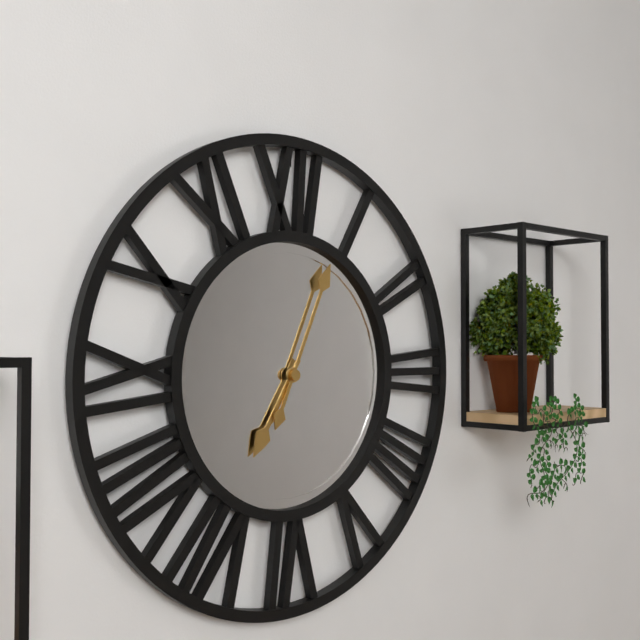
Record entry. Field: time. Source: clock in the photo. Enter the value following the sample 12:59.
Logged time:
7:04
